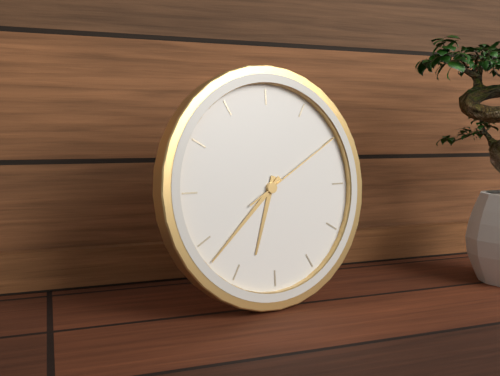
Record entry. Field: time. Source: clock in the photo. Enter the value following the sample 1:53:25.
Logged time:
6:38:10
